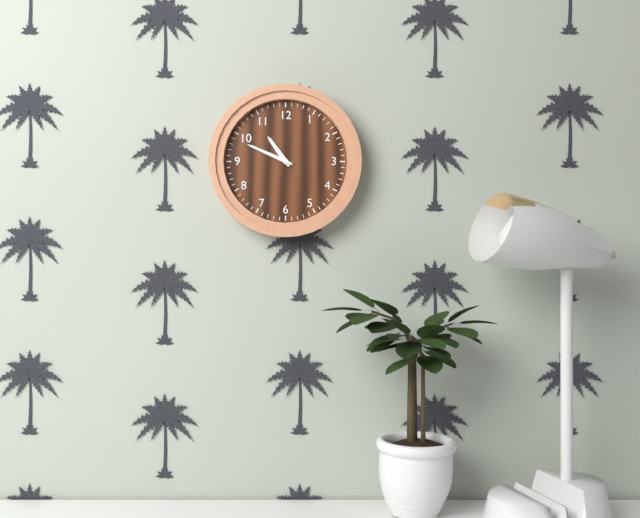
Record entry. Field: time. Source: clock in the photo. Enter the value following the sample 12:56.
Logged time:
10:49
